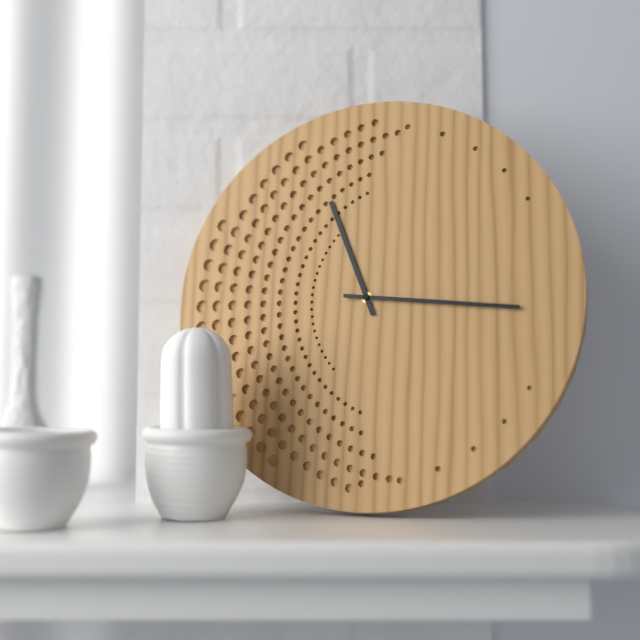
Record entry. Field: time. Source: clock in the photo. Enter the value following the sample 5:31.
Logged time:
11:16
